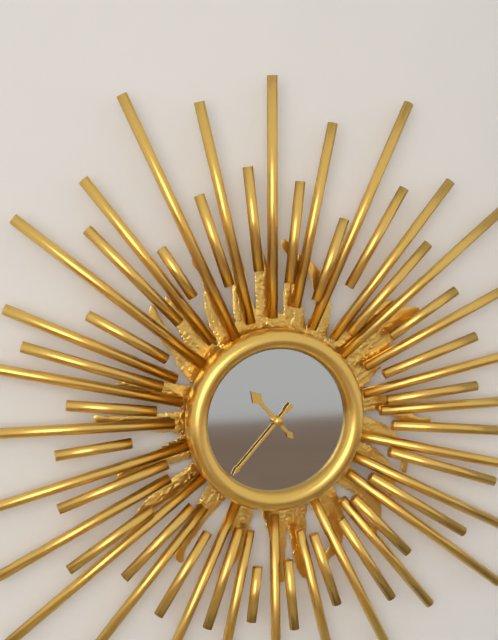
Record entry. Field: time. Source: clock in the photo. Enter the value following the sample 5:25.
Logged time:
10:37
